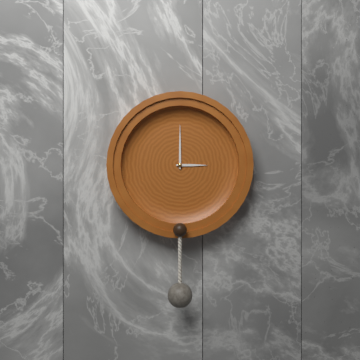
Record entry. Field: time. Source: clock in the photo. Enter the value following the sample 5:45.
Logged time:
3:00
